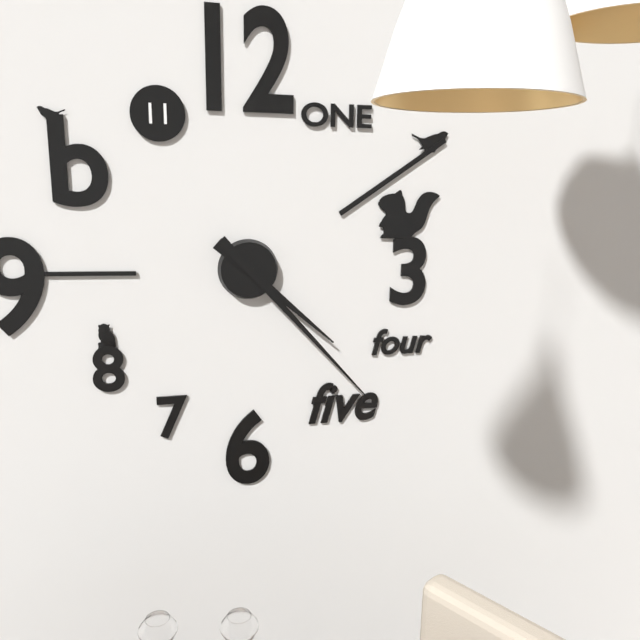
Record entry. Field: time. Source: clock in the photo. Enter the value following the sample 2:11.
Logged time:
4:23
